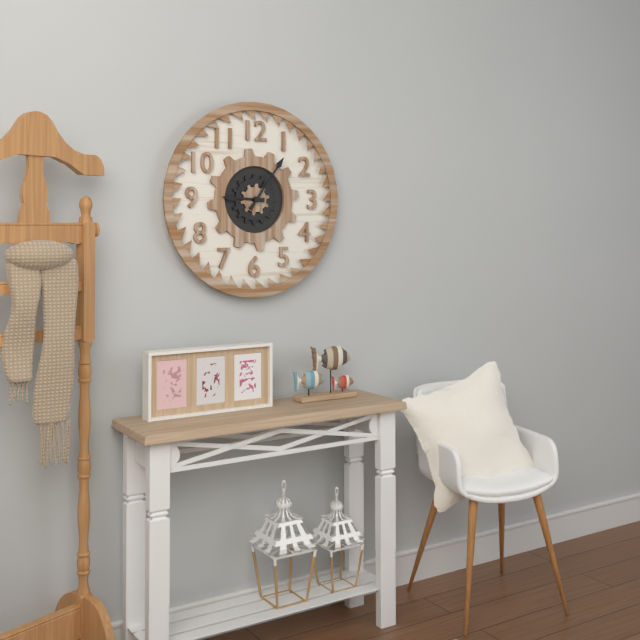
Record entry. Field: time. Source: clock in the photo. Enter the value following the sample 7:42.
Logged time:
9:06
